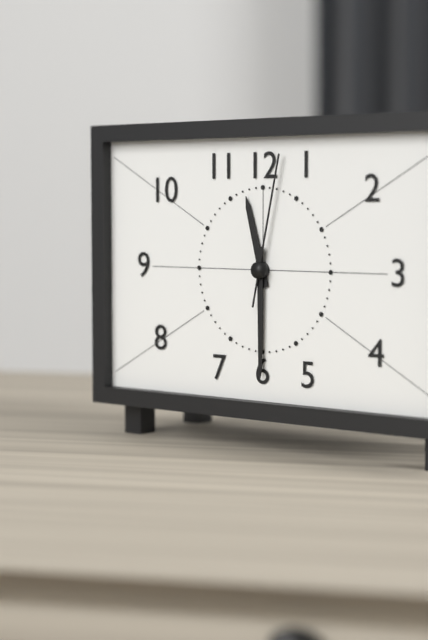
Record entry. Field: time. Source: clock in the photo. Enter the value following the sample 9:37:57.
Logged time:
11:30:02
